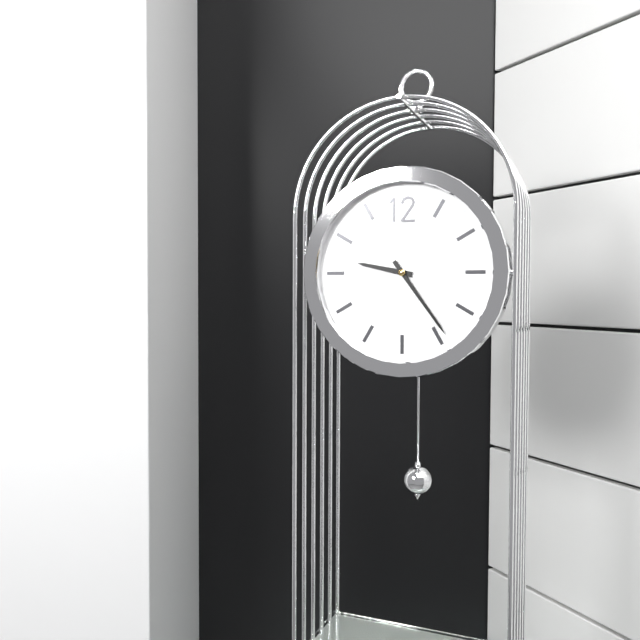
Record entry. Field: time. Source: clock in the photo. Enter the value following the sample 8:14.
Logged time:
9:24
